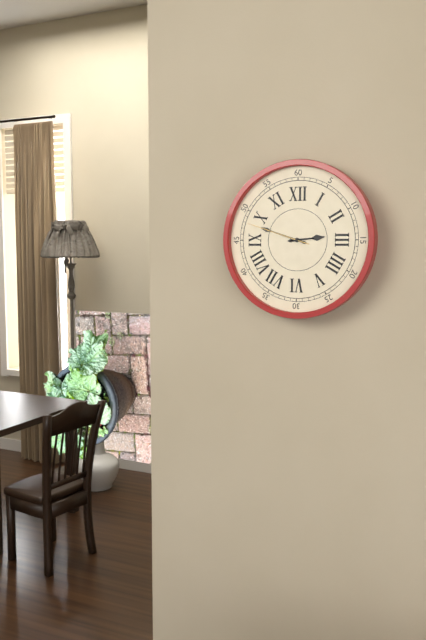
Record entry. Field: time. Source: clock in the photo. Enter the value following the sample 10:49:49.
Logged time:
2:48:48
